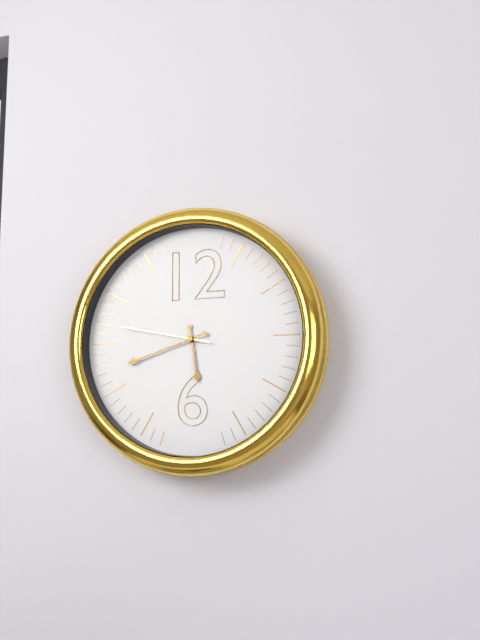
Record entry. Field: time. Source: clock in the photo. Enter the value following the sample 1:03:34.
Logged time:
5:42:47
